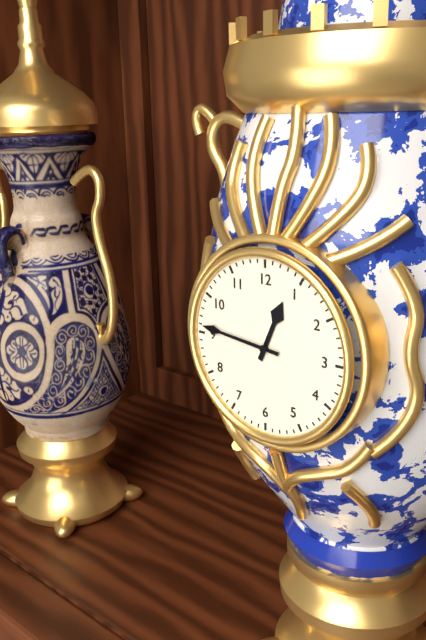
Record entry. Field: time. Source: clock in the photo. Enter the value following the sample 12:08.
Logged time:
12:46
